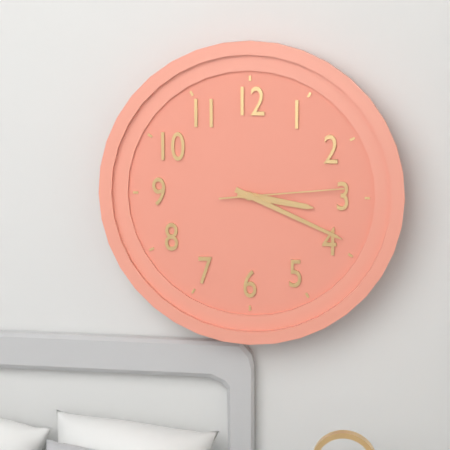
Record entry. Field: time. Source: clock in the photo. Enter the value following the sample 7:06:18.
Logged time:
3:19:14
